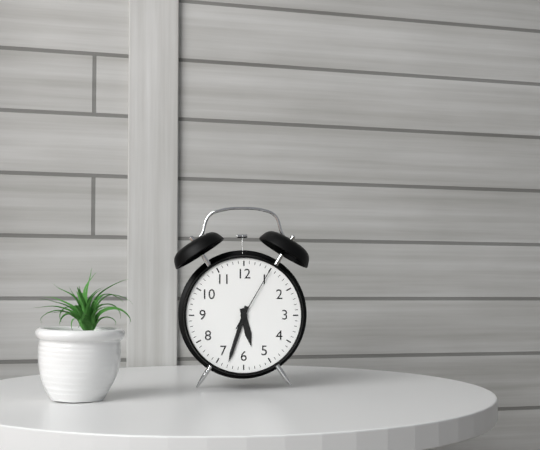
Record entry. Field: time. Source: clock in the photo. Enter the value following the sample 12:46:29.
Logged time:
5:33:05
